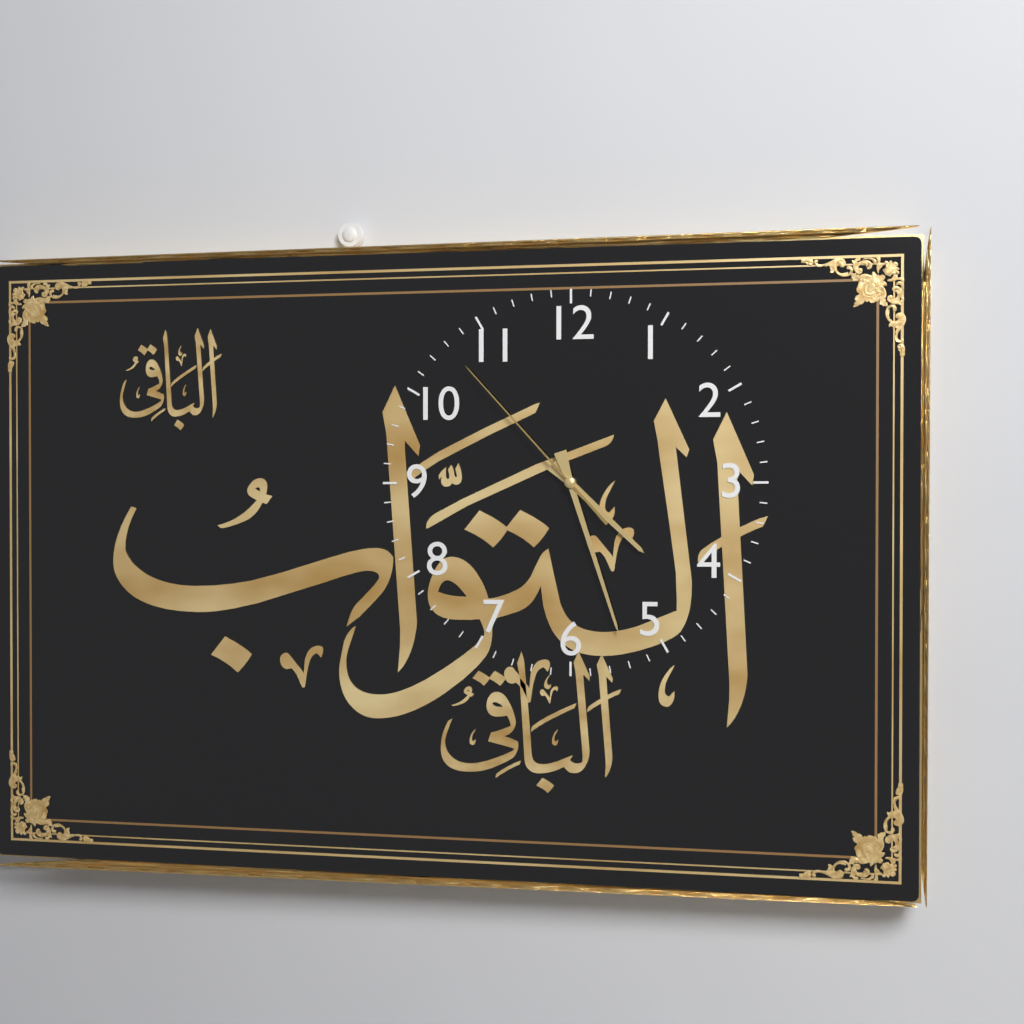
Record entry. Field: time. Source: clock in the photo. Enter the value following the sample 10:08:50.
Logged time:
4:27:53
